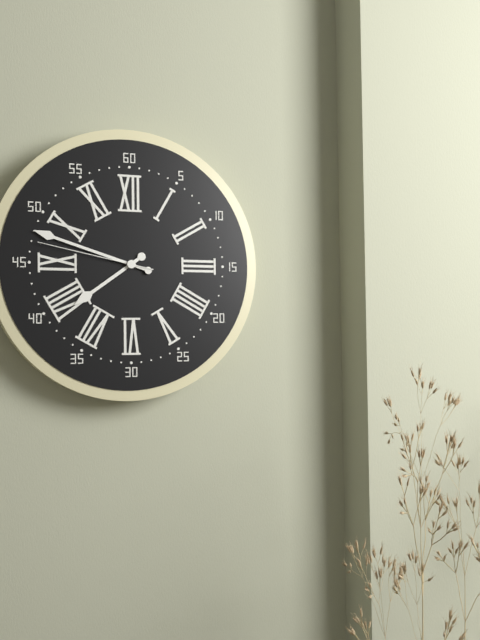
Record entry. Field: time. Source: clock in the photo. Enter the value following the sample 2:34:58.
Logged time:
7:48:47
